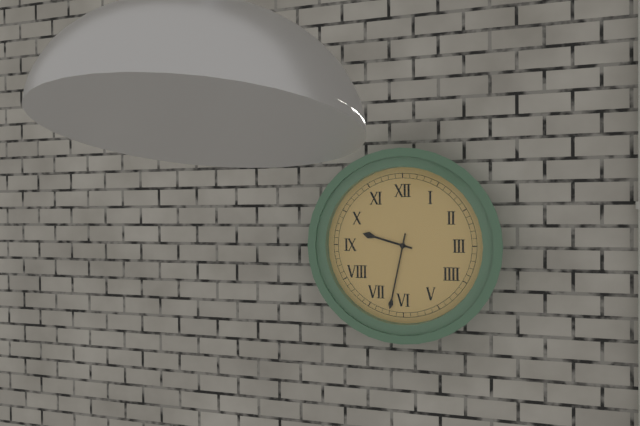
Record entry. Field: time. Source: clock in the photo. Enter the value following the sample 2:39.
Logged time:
9:32
